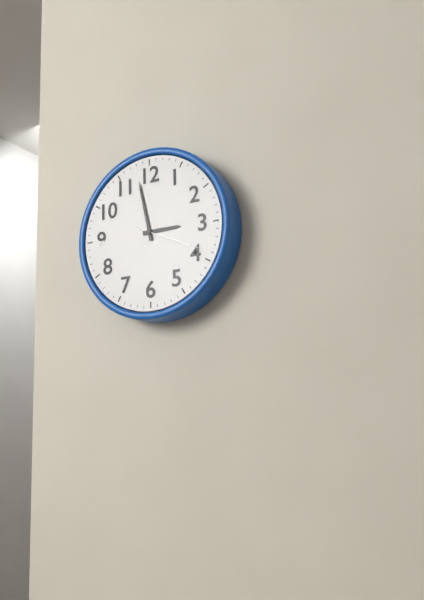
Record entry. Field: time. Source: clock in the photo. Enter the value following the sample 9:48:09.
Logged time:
2:58:19
